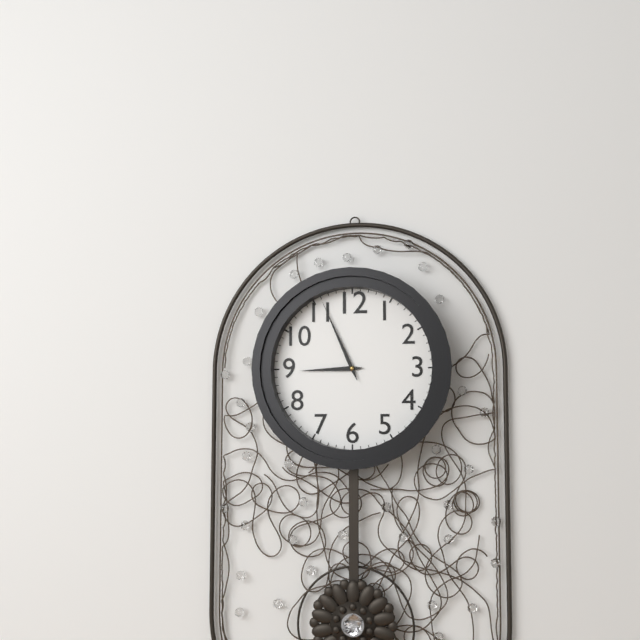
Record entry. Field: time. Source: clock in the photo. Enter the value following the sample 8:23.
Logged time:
8:56
